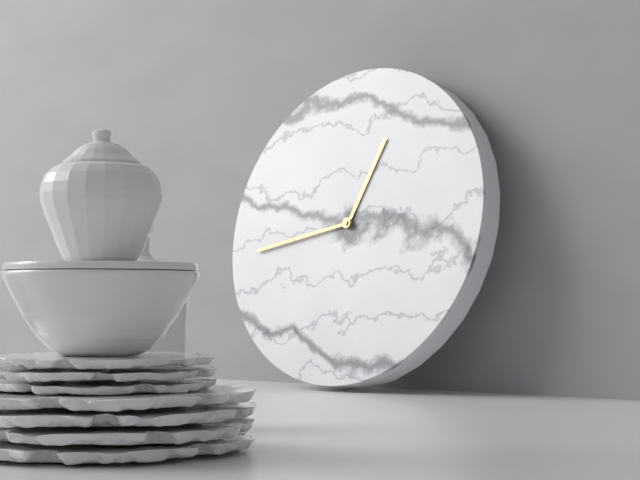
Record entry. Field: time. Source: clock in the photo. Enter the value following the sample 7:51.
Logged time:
12:43
